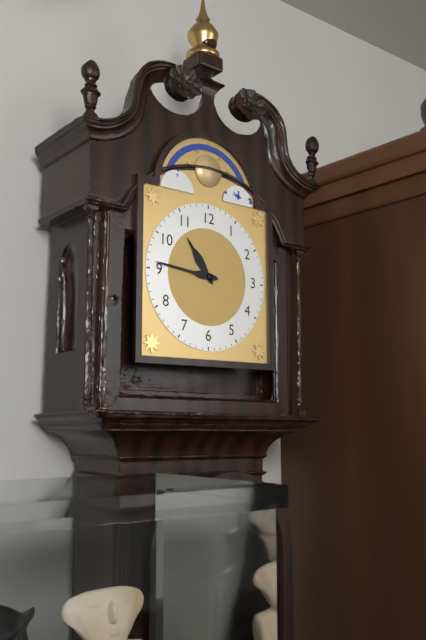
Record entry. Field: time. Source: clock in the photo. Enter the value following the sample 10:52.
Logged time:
10:46
